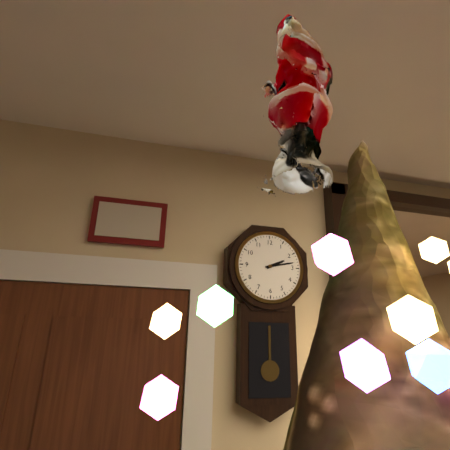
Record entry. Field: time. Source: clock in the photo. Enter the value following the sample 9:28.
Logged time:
2:13
